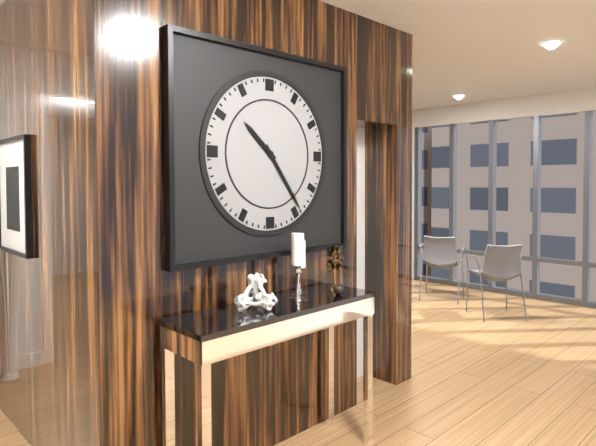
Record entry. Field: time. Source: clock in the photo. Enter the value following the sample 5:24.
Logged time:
10:24
